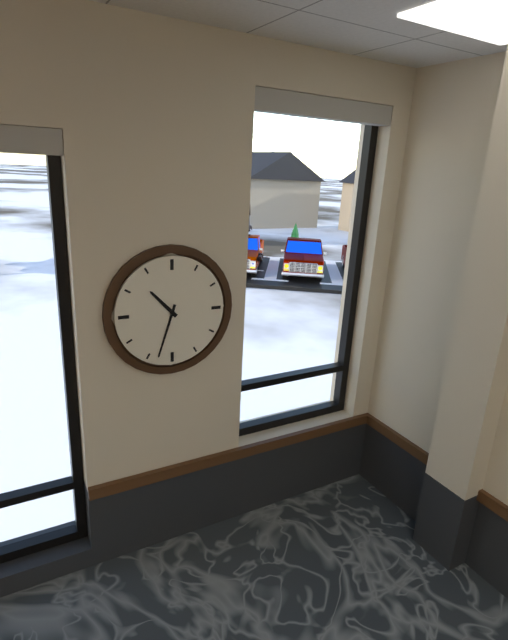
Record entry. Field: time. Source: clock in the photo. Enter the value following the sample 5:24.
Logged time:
10:33
